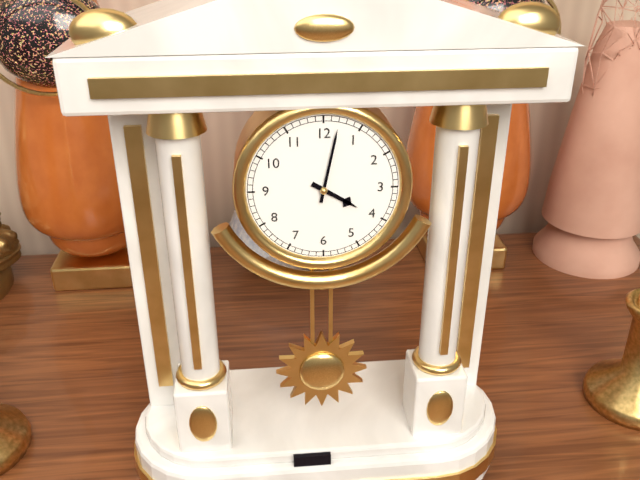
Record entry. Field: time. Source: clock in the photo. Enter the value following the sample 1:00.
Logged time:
4:02
